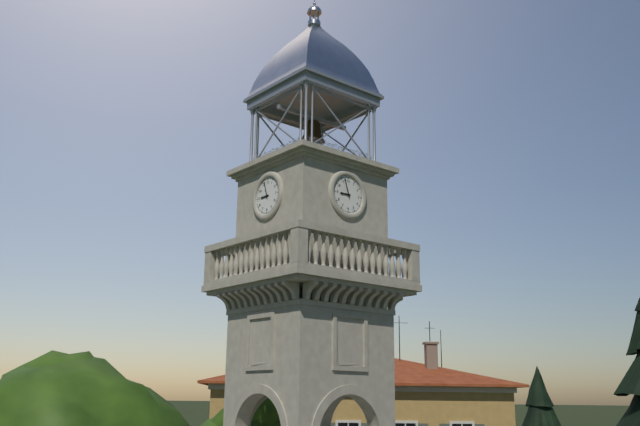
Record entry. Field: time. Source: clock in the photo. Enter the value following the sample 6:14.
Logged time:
8:57
